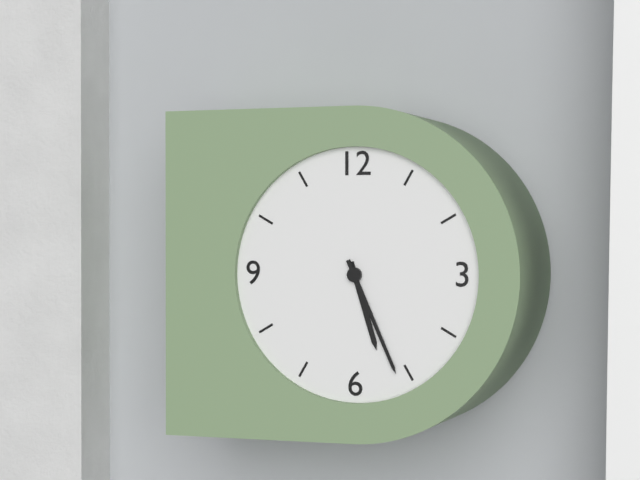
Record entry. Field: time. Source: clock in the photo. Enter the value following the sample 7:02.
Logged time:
5:26
